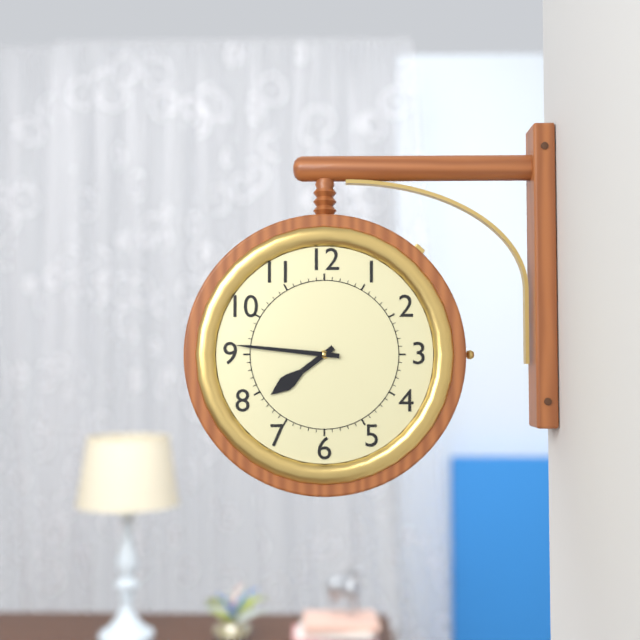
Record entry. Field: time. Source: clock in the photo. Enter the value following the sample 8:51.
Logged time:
7:46
